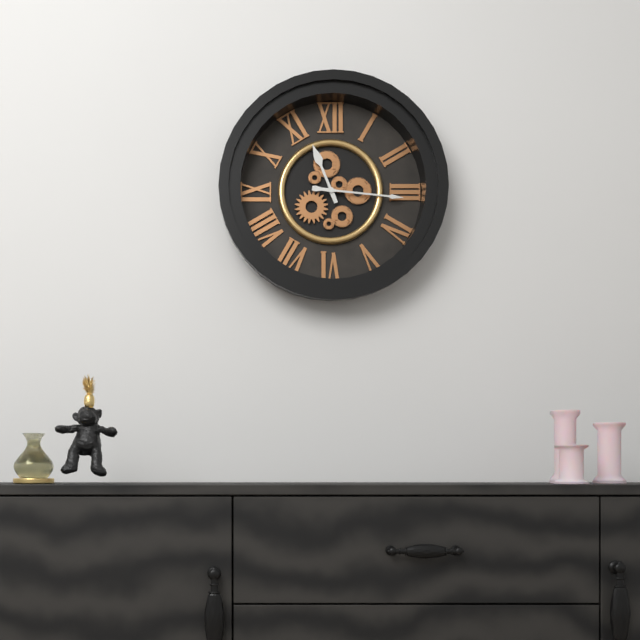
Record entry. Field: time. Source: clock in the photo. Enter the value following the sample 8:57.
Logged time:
11:16
